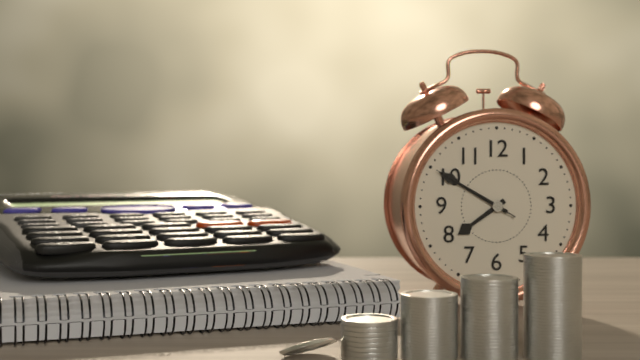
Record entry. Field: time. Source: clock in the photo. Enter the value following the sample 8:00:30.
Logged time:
7:50:50
